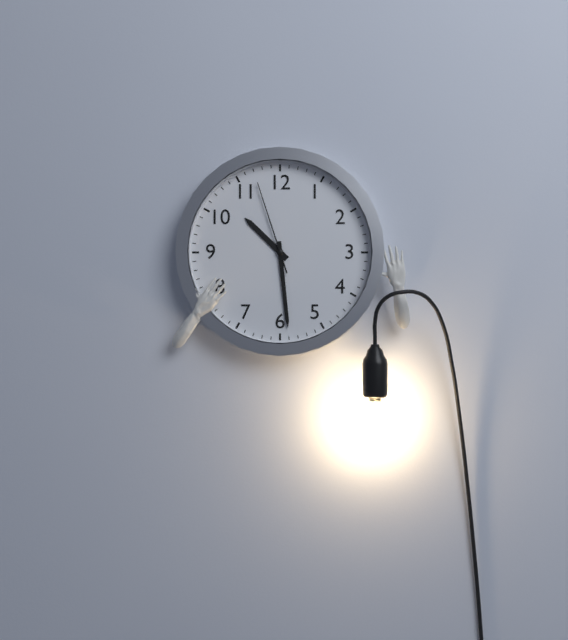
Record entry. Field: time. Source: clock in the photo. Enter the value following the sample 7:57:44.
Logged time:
10:29:57
